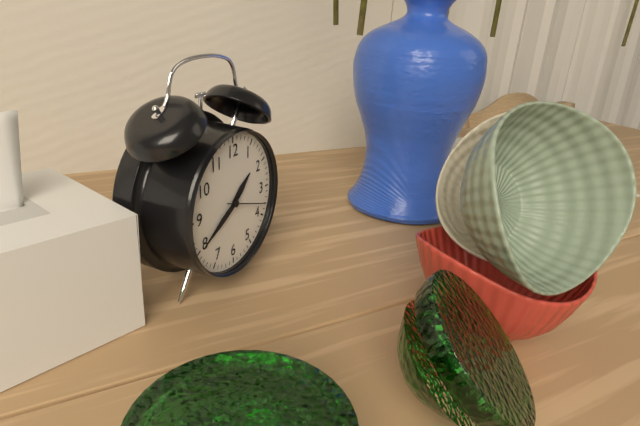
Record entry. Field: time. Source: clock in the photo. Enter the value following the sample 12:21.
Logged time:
1:40
